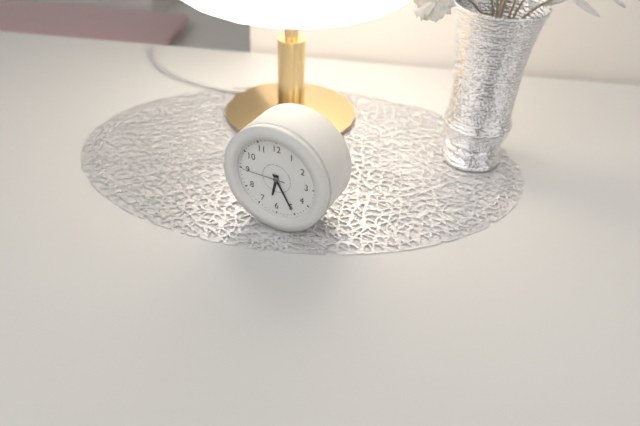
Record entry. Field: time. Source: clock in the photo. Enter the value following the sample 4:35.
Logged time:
6:25
